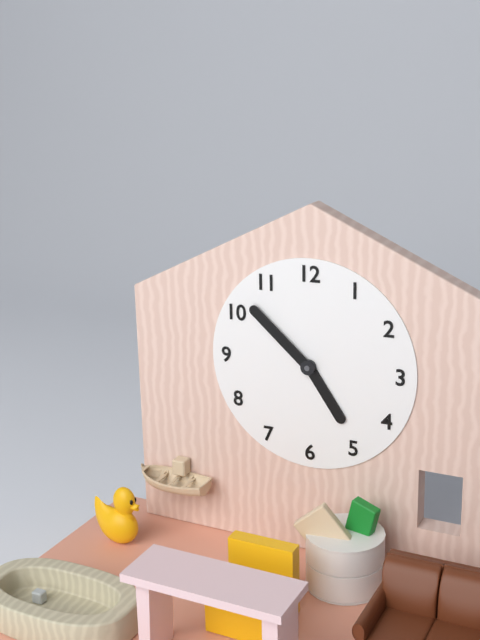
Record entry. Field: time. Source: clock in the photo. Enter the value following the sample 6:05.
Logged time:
4:52
